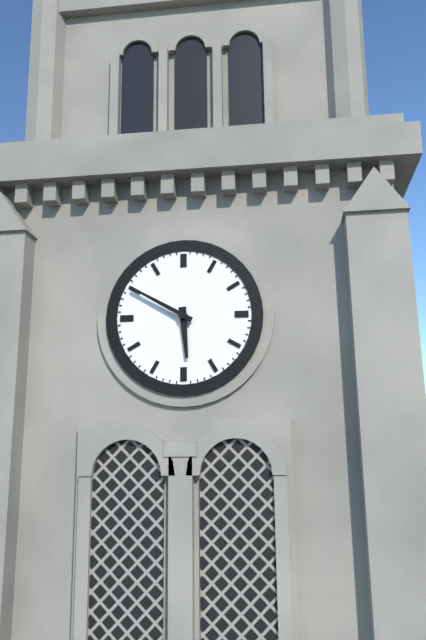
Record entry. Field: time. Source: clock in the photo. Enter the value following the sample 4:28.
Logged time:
5:50
